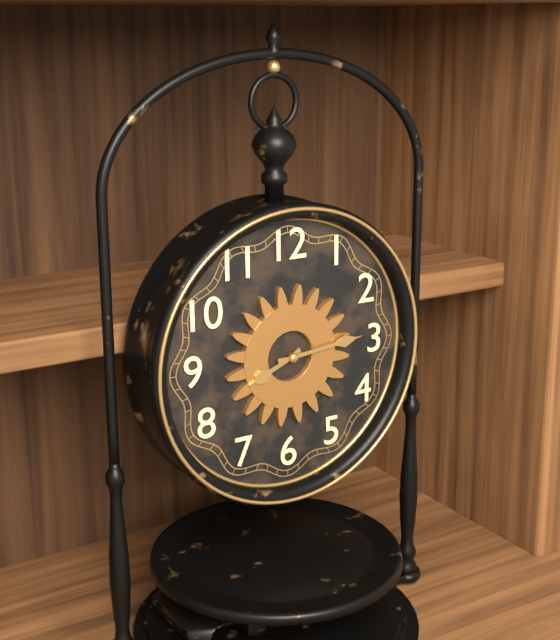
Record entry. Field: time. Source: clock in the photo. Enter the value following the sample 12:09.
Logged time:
8:14
